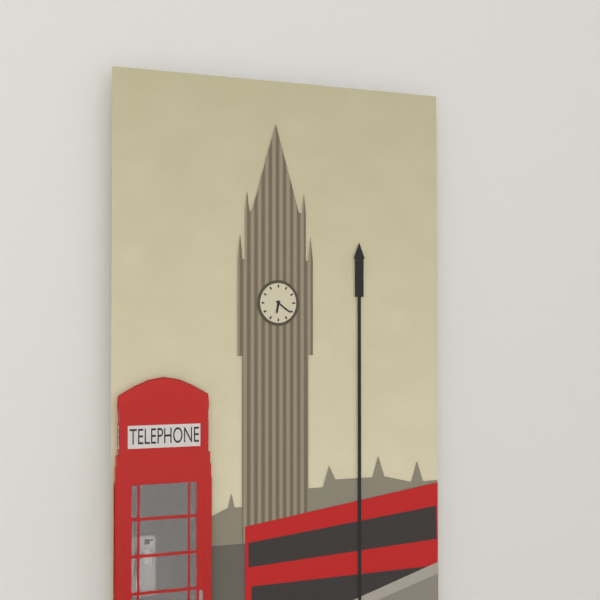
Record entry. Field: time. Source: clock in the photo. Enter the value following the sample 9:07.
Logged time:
6:21
